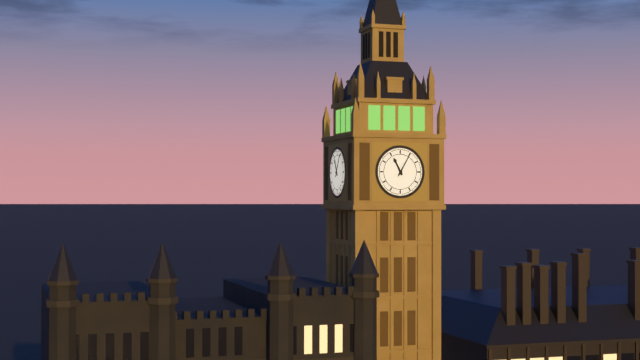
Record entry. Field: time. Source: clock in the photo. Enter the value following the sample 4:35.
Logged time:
11:05
